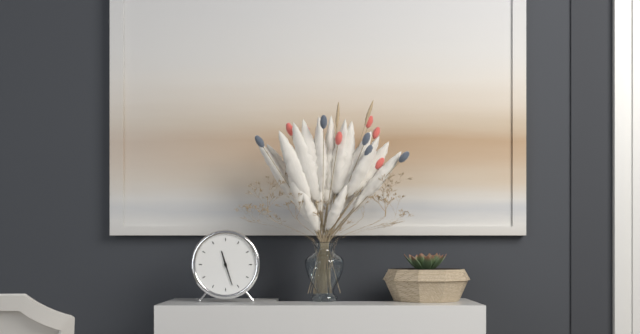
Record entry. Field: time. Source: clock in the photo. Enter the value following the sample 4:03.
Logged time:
11:27
